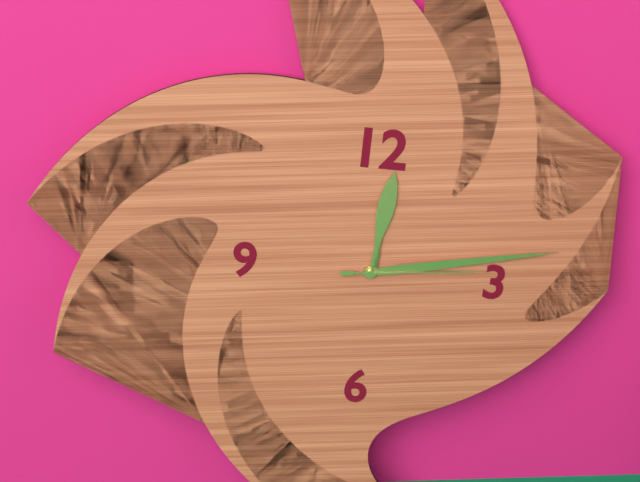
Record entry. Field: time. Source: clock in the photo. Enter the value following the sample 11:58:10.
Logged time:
12:13:14
